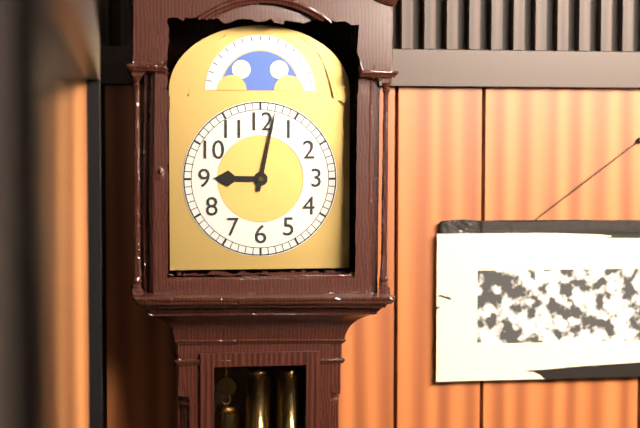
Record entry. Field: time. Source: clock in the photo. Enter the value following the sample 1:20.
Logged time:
9:02
